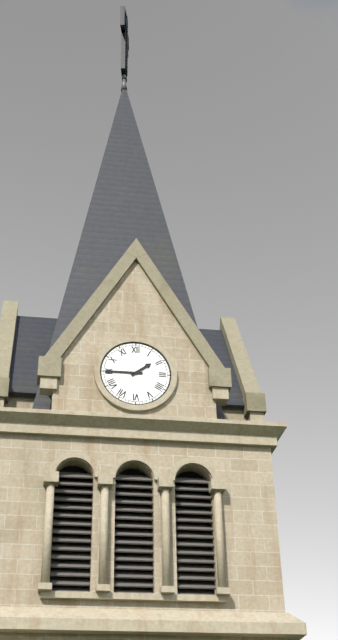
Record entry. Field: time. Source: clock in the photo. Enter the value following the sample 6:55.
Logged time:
1:45
